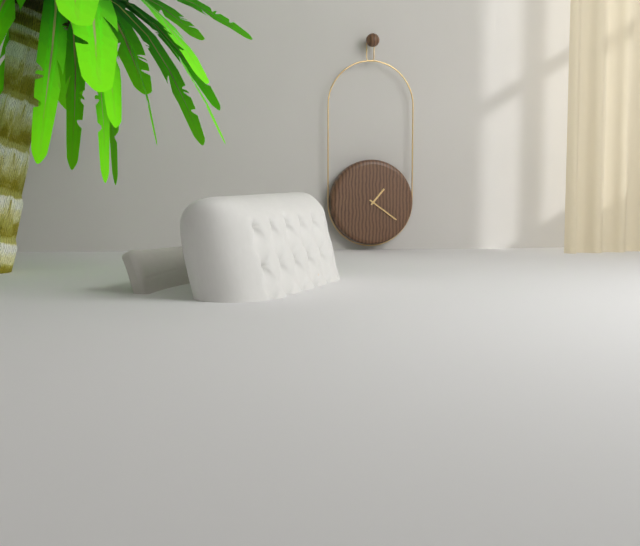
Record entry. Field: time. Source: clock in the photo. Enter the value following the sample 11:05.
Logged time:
1:21
